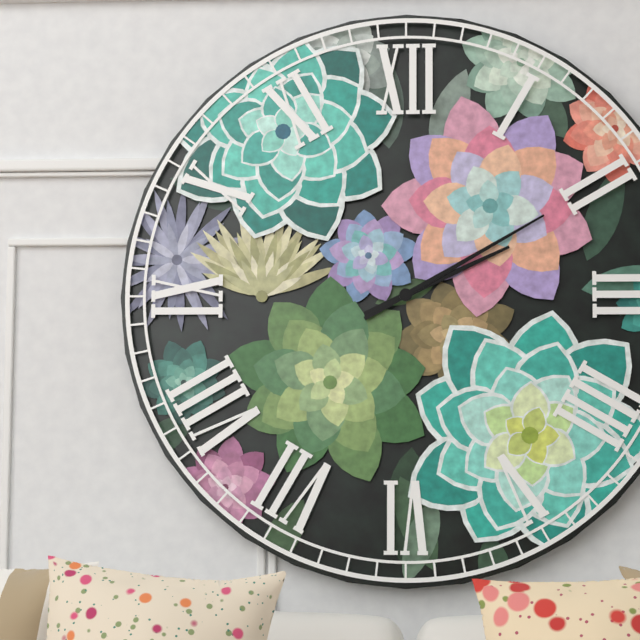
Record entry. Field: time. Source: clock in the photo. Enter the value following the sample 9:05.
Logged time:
2:10
